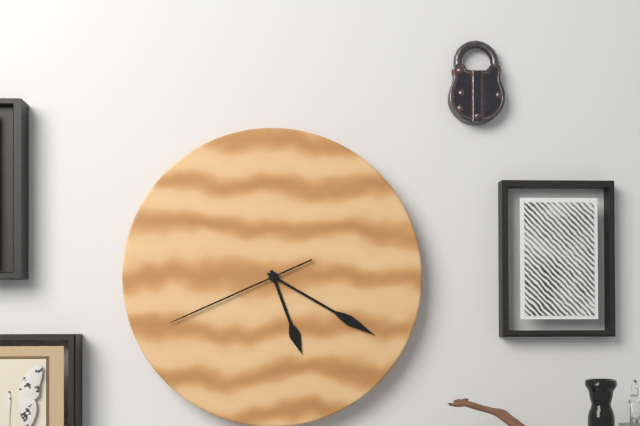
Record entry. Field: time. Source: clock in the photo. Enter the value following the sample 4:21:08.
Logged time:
5:20:41
